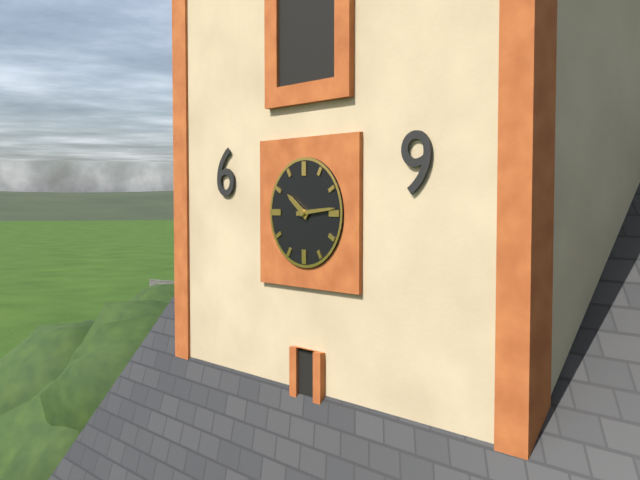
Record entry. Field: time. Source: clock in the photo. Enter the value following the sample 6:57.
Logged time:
10:14
